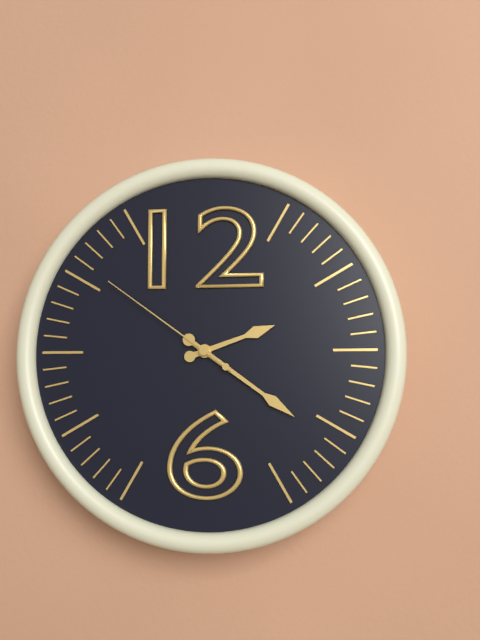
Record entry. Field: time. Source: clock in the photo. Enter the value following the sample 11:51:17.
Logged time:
2:21:51
